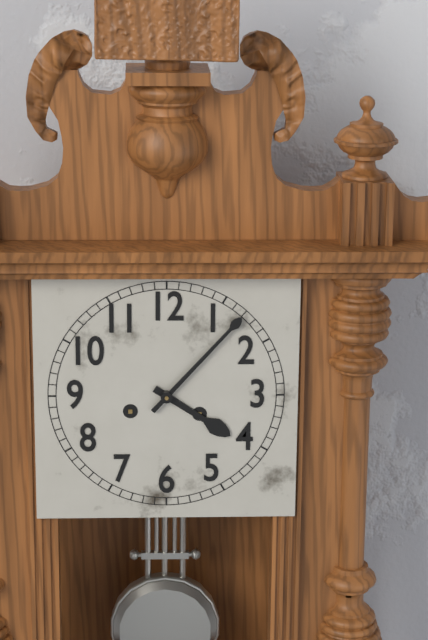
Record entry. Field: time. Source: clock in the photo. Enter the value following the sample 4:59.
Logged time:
4:07
